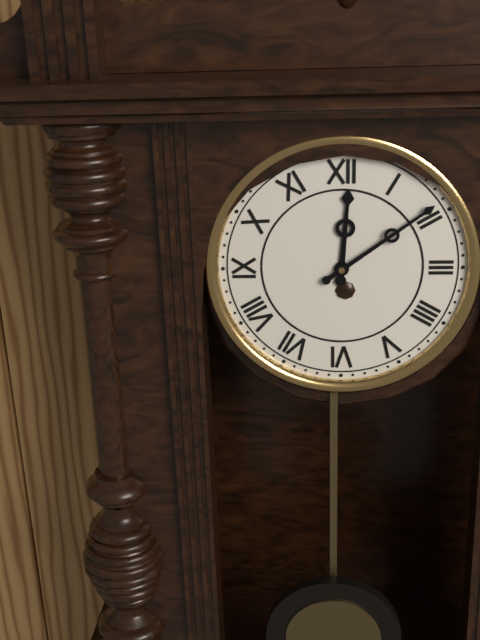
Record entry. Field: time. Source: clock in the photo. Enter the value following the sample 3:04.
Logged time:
12:09
